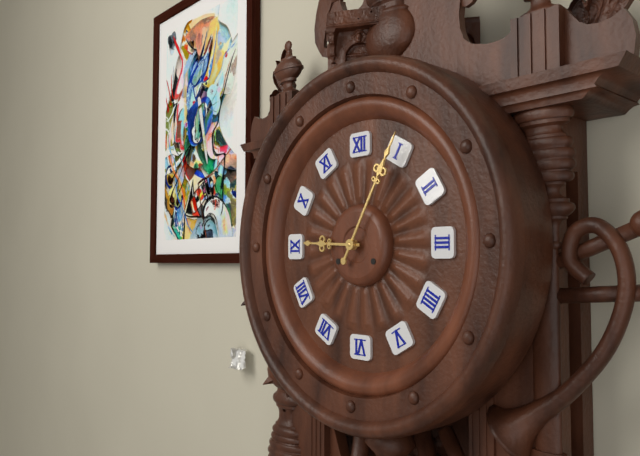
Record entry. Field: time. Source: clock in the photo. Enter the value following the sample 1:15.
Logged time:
9:05
